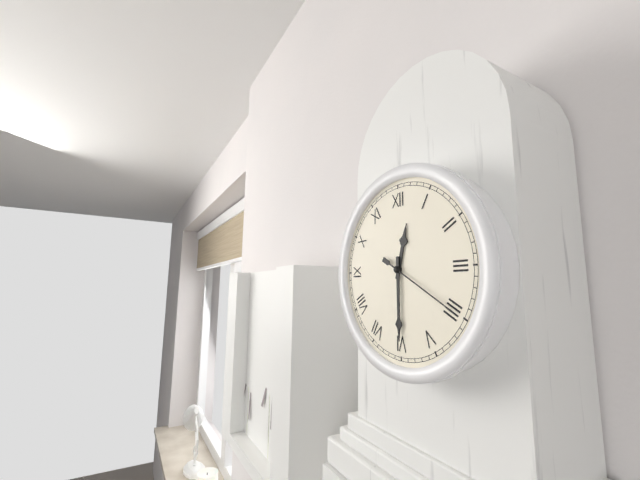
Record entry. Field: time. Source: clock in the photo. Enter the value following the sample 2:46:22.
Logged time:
12:30:20
